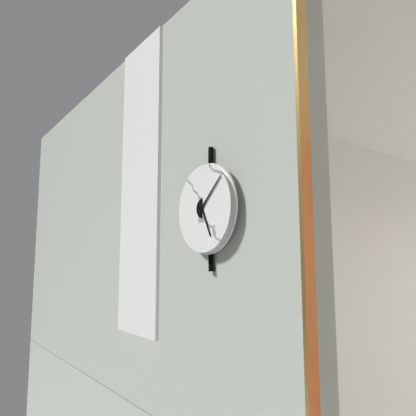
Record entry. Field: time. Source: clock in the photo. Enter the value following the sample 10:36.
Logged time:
5:08
